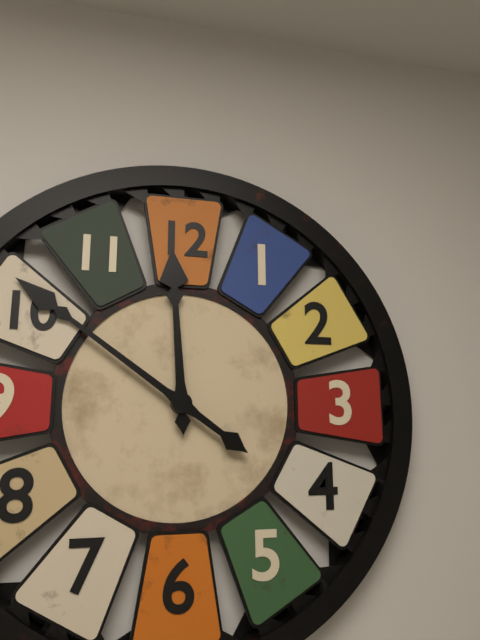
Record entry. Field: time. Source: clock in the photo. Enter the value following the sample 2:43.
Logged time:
11:51
